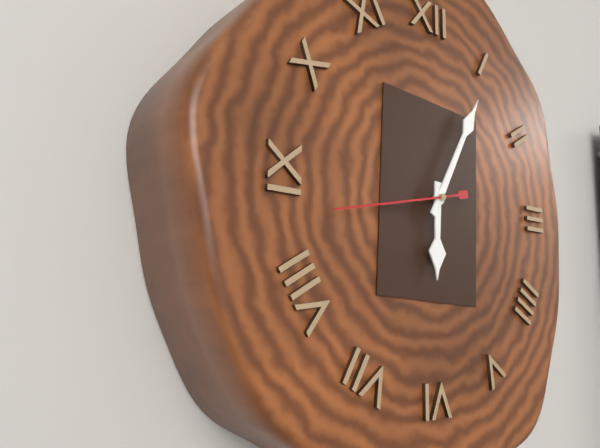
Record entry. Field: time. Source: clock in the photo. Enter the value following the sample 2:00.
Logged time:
6:05
